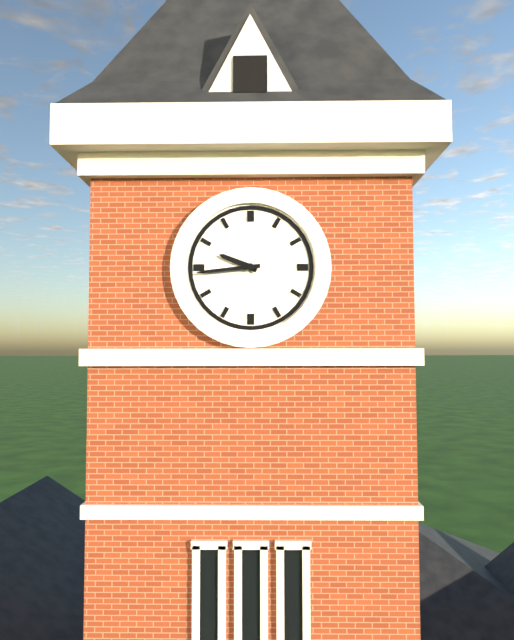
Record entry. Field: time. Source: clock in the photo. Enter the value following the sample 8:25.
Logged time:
9:44
